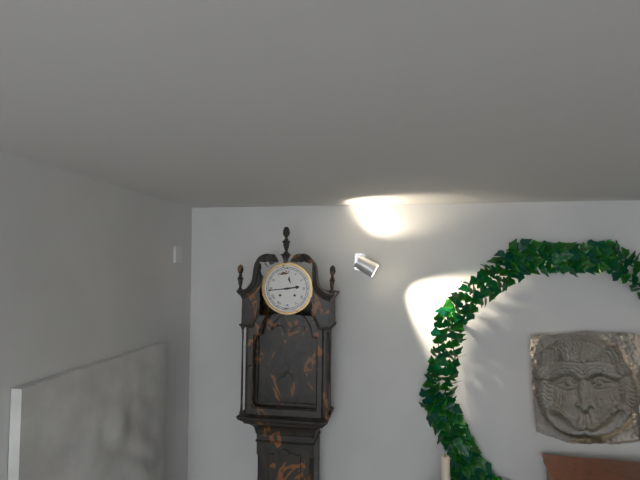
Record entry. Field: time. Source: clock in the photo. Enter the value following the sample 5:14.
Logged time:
2:44
